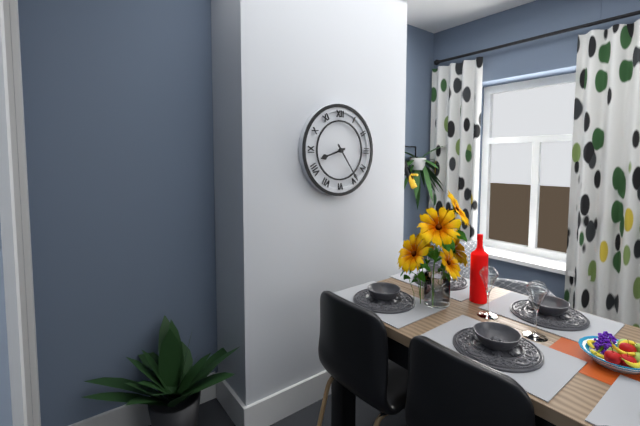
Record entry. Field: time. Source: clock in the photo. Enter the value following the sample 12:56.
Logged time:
8:24
